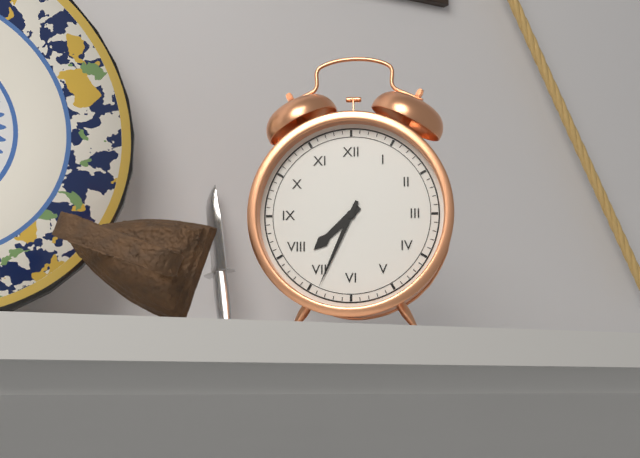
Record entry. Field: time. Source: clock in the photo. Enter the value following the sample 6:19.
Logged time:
7:34
